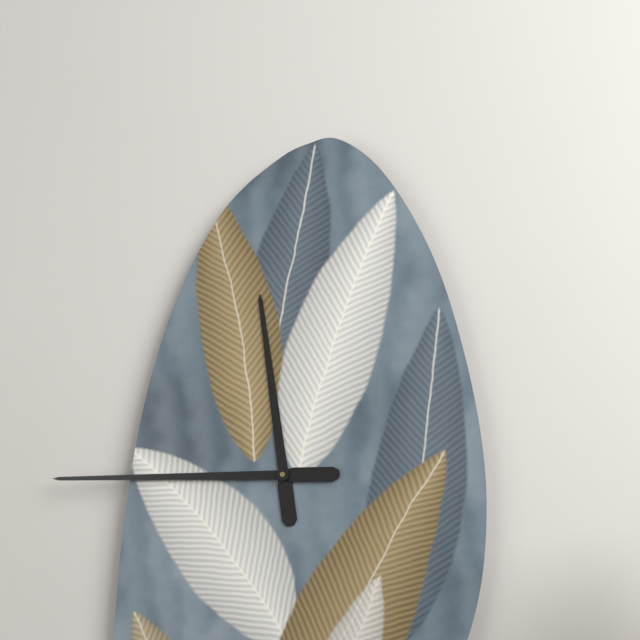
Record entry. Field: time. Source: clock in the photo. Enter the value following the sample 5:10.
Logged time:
11:45
